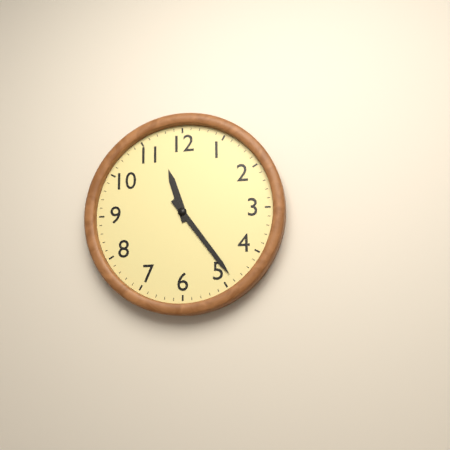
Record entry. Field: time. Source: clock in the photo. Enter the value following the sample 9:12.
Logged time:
11:24
